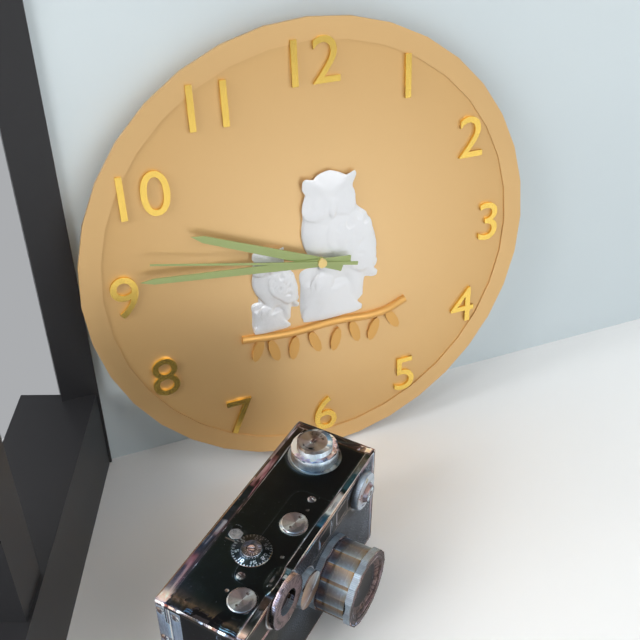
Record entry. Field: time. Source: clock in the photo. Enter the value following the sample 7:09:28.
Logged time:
9:46:47
